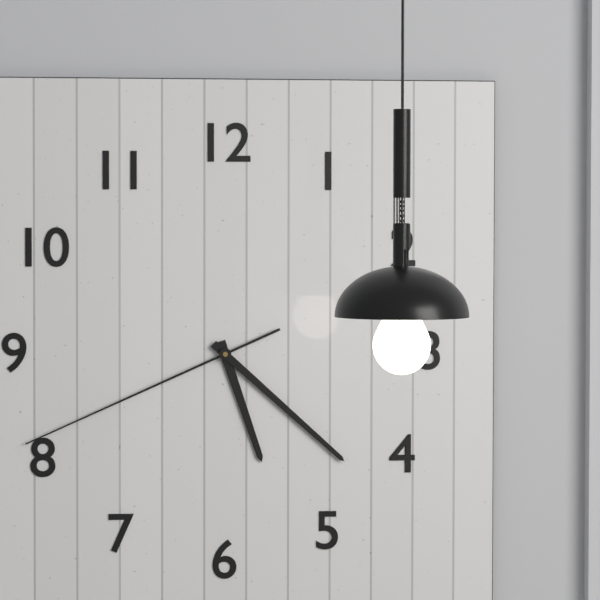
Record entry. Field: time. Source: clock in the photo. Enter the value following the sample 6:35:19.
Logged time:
5:22:41
